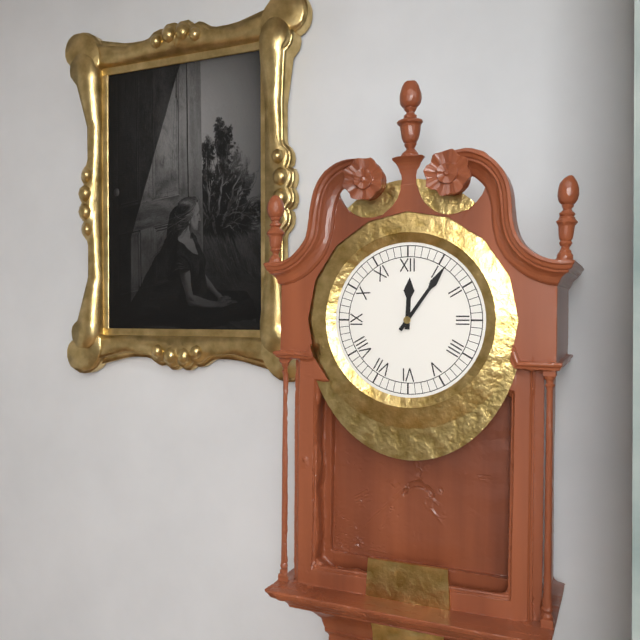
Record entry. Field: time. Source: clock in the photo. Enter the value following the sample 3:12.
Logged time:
12:06
